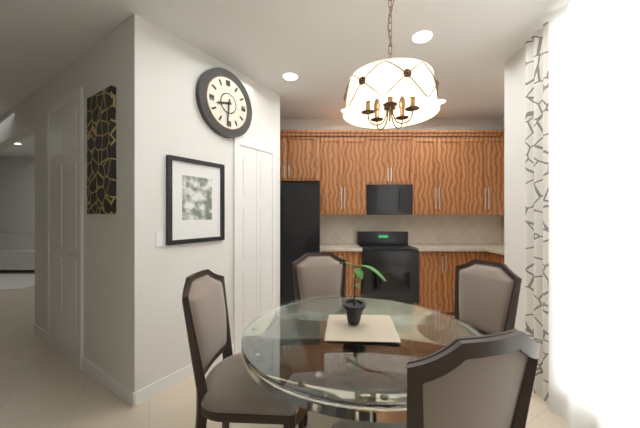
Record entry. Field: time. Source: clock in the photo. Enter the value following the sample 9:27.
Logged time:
8:31
